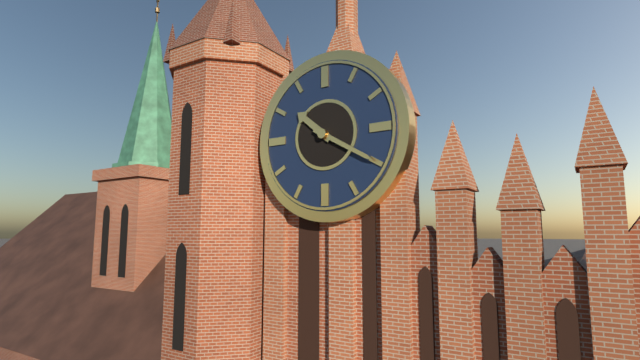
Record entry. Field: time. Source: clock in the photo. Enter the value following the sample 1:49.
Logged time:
10:20
